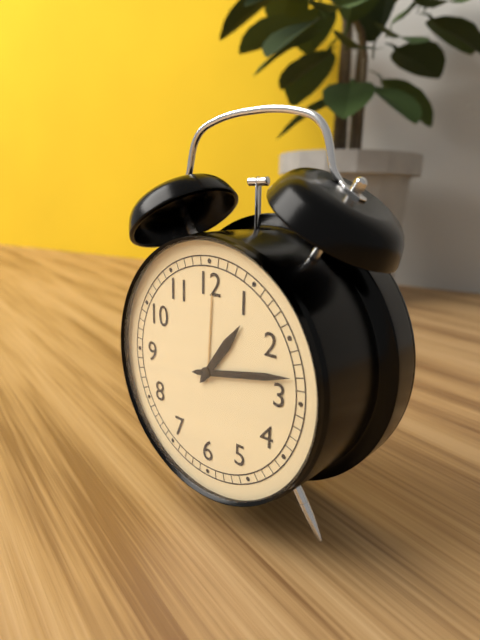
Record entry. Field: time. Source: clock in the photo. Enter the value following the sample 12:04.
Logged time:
1:13
